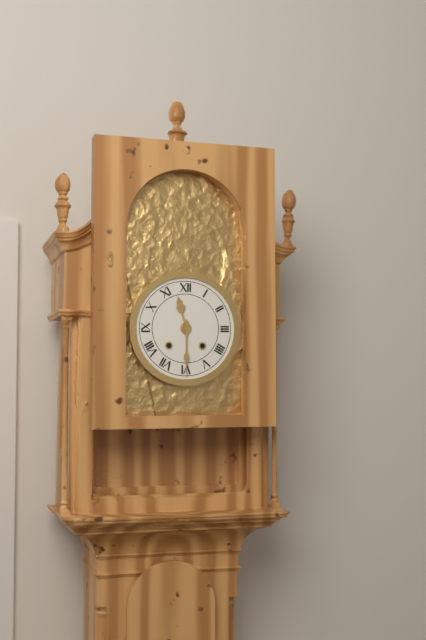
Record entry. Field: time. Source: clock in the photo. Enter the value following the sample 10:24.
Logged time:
11:30
